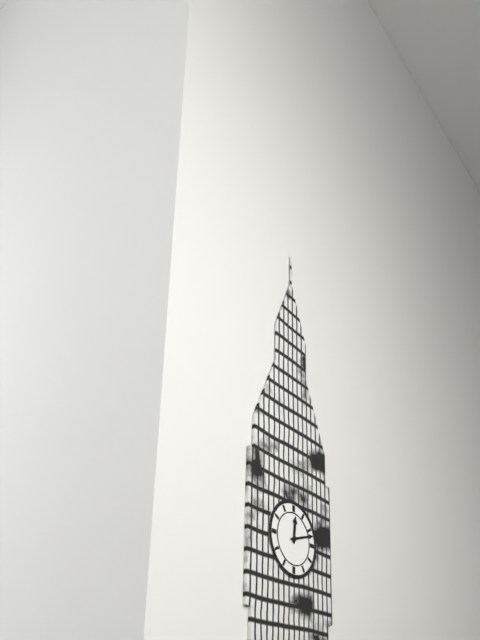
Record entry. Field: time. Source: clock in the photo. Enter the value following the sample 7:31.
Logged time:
12:12
